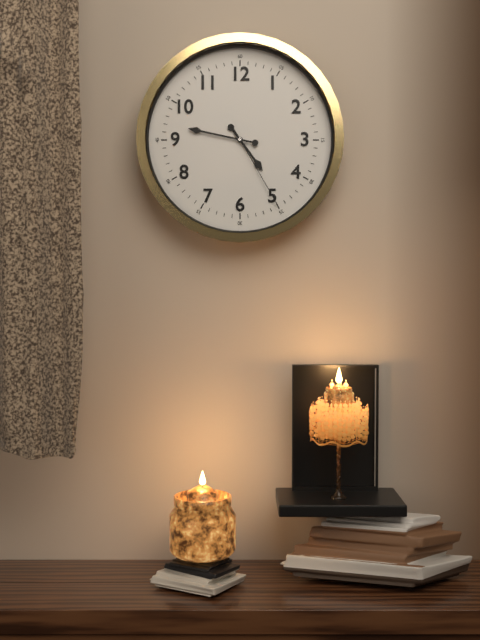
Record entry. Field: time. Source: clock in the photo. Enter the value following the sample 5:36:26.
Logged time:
4:47:25
